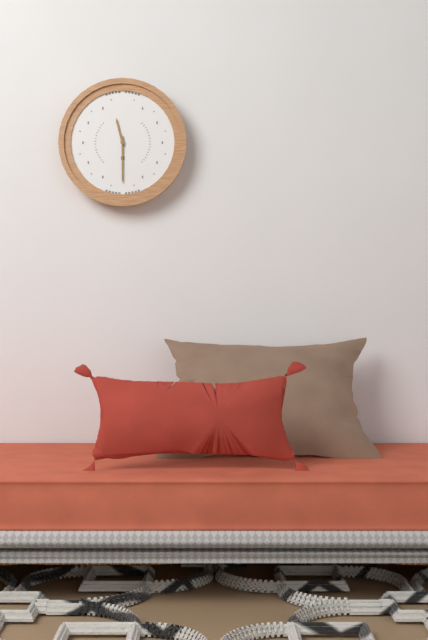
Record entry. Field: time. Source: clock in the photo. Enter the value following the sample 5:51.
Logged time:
11:30
